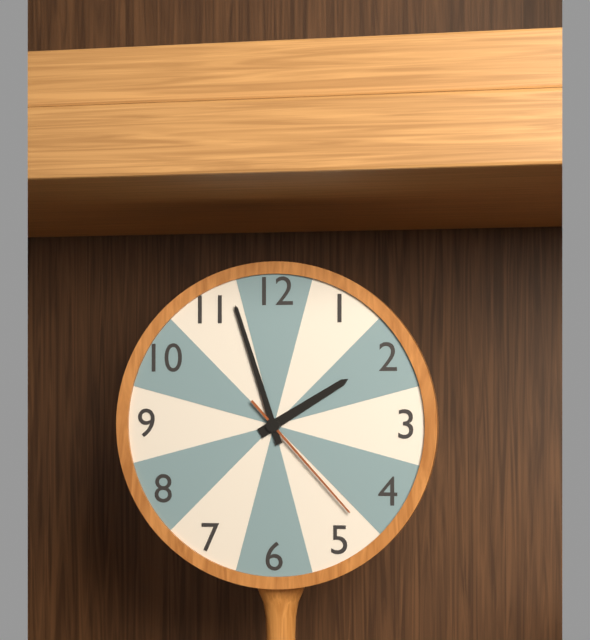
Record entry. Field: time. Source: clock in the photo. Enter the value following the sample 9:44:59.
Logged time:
1:57:23
